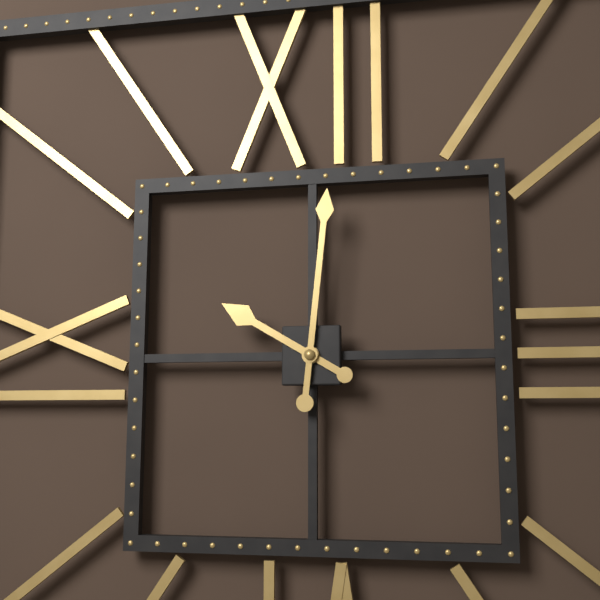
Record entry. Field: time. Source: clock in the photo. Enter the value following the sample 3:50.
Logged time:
10:01
